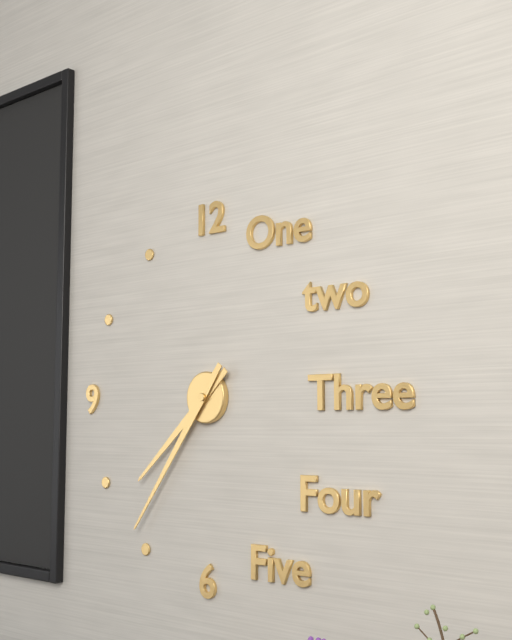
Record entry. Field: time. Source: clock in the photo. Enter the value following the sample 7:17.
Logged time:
7:36
